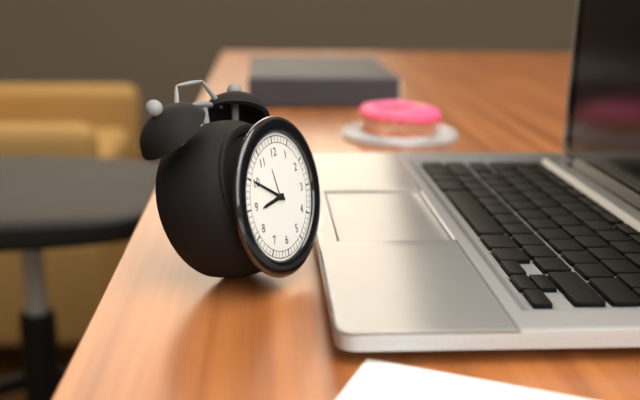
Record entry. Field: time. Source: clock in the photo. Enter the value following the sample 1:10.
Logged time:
8:50
